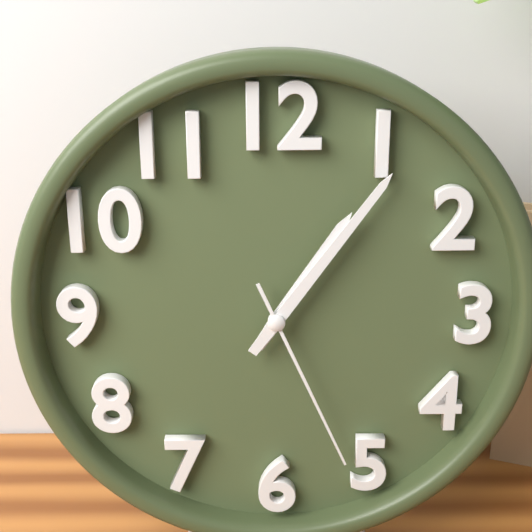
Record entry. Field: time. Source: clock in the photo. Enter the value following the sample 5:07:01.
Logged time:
1:06:26
